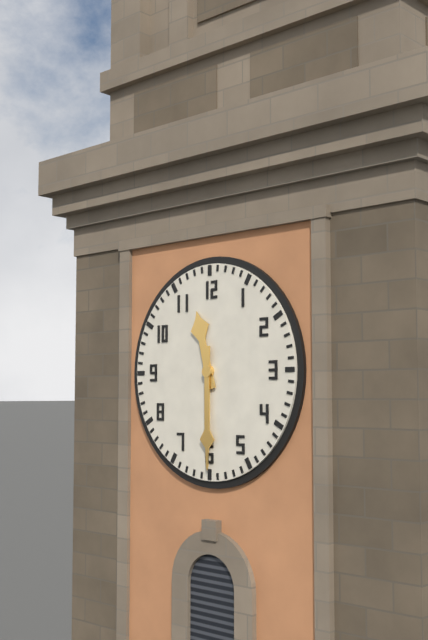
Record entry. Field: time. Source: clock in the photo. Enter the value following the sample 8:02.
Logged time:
11:30
